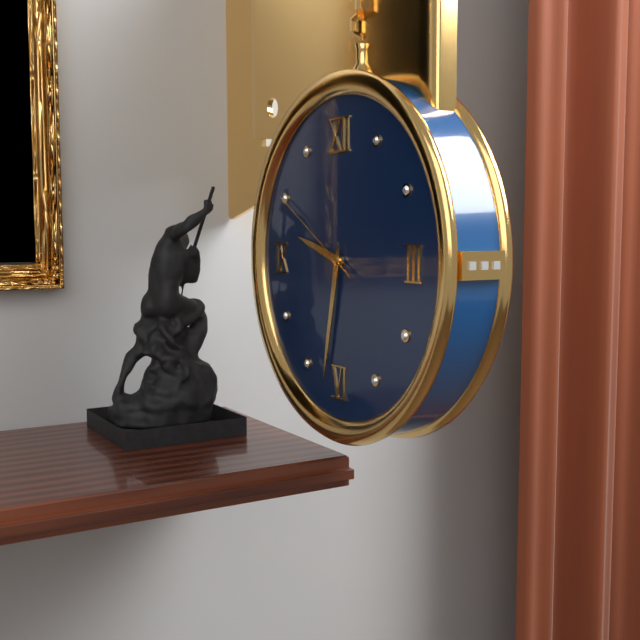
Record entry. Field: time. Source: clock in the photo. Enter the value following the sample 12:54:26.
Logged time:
9:32:50
